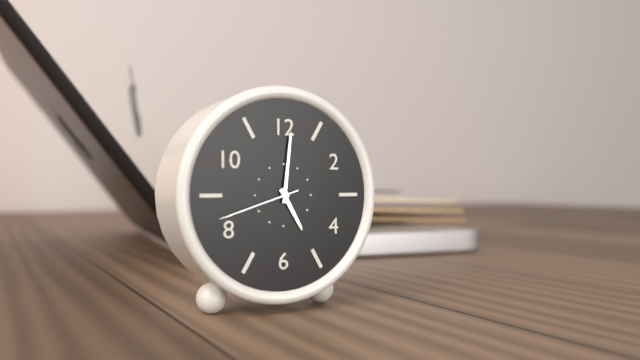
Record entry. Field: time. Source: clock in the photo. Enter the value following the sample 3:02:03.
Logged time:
5:01:42
